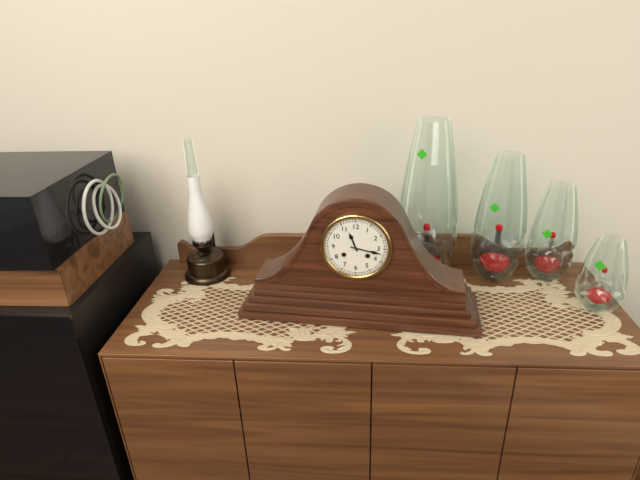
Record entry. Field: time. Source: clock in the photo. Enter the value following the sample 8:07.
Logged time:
11:17
